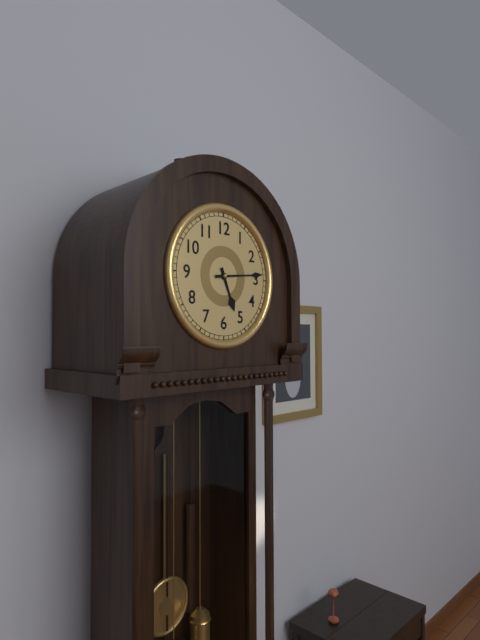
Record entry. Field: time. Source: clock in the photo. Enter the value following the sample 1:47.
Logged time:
5:14
